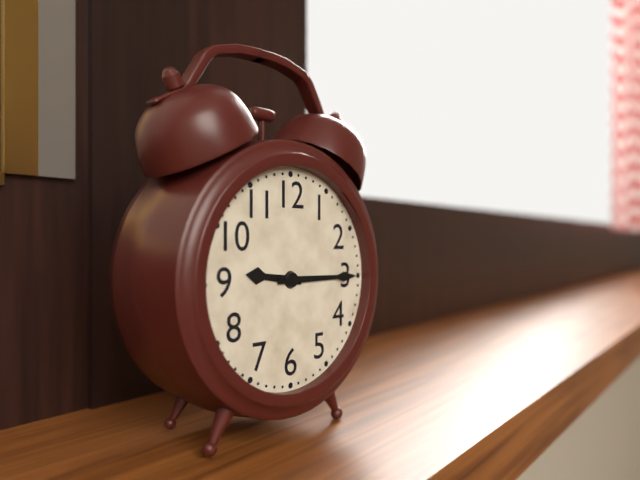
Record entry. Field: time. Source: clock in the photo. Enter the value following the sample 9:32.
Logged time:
9:15
